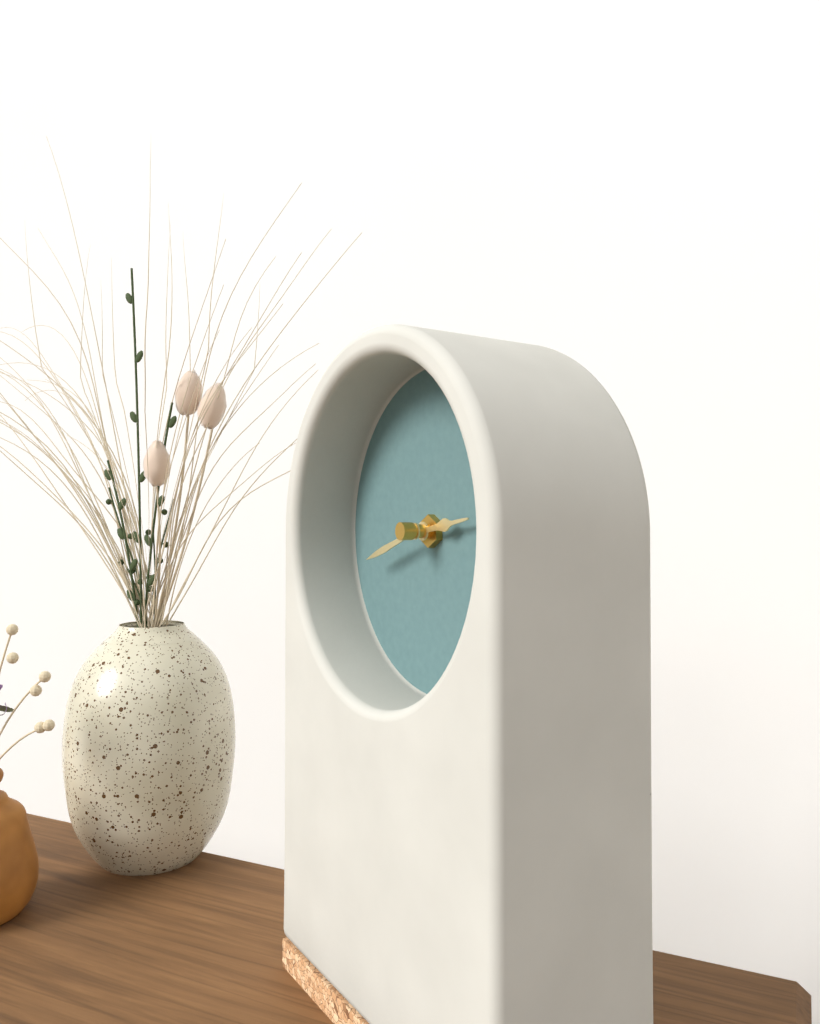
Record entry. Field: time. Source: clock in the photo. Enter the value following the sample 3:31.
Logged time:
2:42
